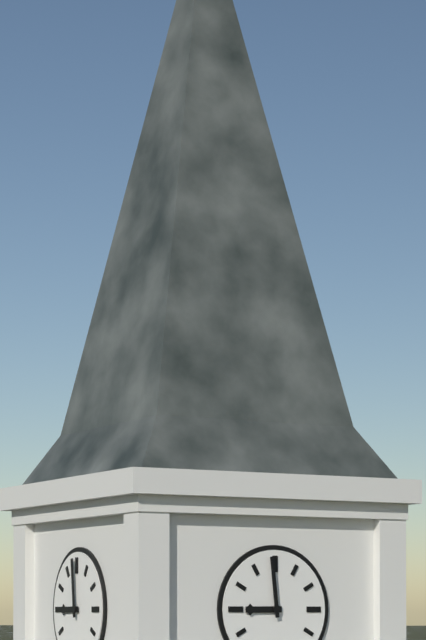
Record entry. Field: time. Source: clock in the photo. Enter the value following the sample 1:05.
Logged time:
8:59
